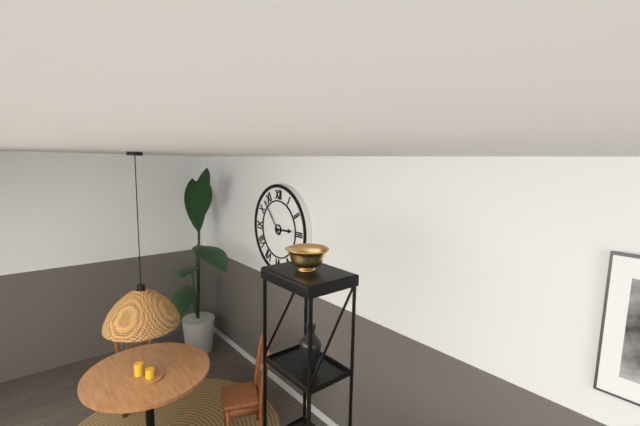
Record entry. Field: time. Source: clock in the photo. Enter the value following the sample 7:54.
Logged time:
2:53
